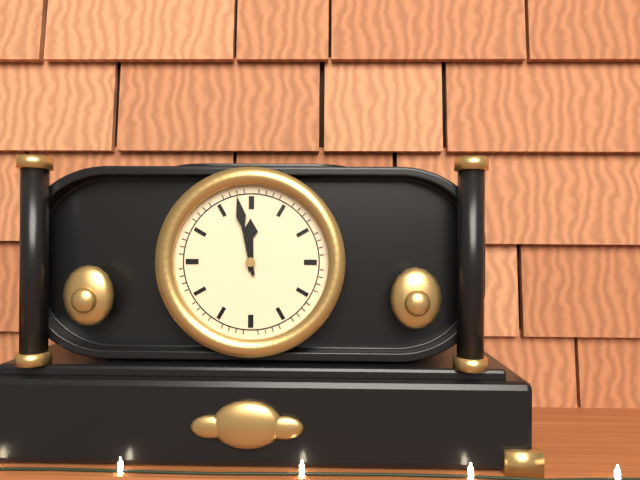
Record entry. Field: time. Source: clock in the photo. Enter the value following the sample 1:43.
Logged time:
11:58
